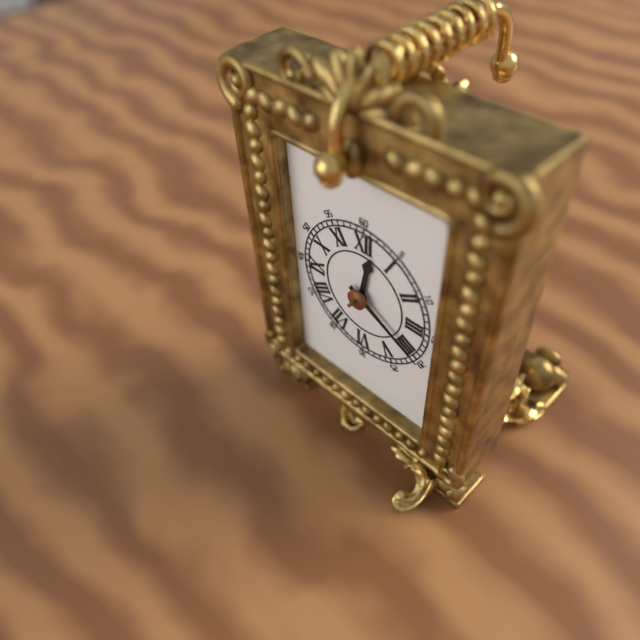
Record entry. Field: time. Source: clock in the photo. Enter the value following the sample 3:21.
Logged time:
12:20
